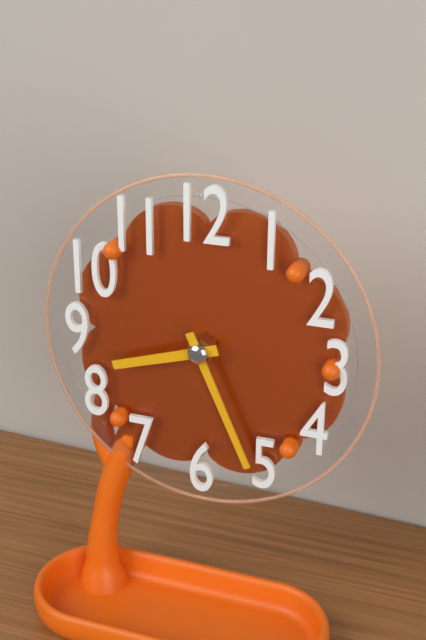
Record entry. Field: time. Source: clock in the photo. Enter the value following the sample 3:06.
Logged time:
8:26
